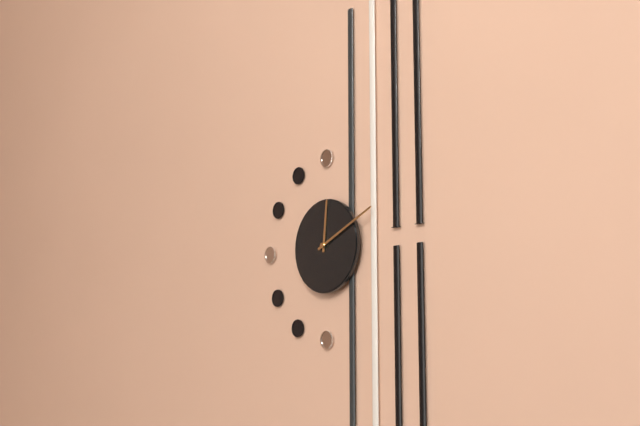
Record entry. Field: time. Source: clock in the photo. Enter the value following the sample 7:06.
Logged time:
12:11
